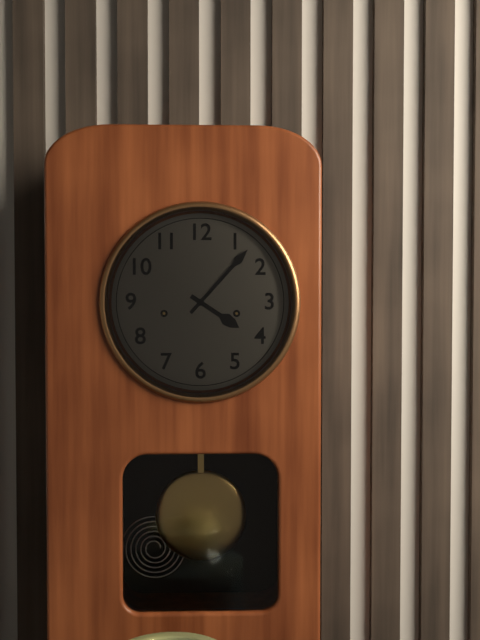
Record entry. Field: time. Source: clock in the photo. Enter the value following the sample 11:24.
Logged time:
4:07
